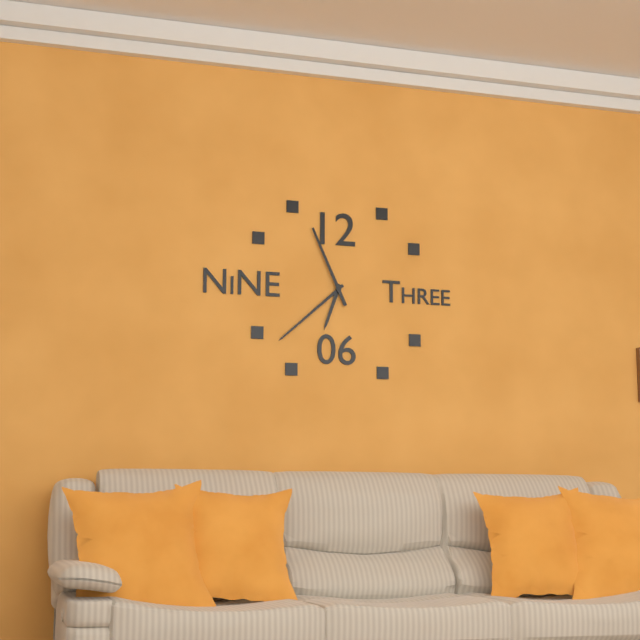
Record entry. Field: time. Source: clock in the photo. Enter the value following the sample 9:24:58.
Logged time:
6:38:56
